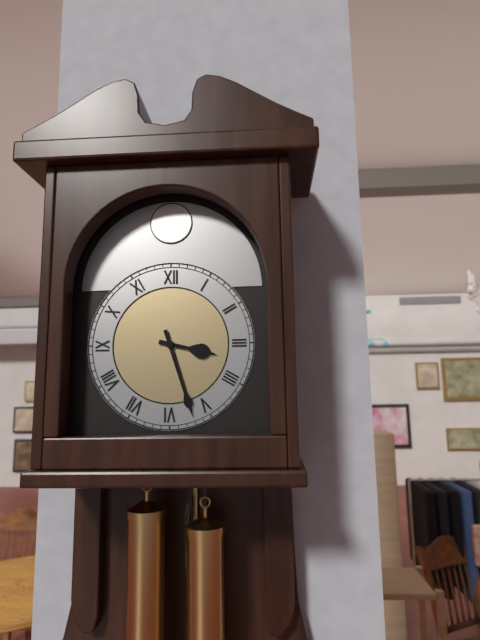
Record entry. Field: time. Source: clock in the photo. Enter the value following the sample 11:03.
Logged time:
3:27
